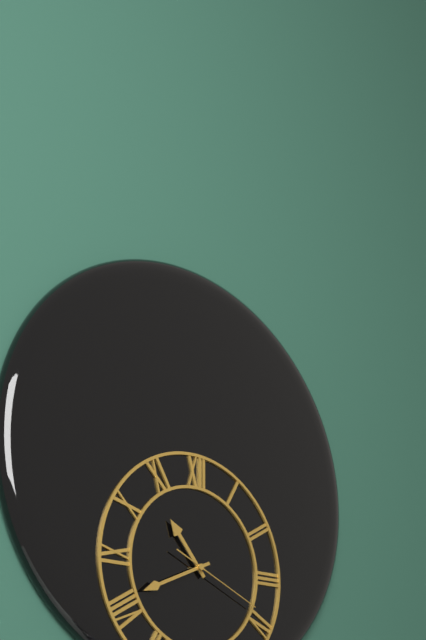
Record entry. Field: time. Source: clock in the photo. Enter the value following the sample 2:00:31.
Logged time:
10:41:19
